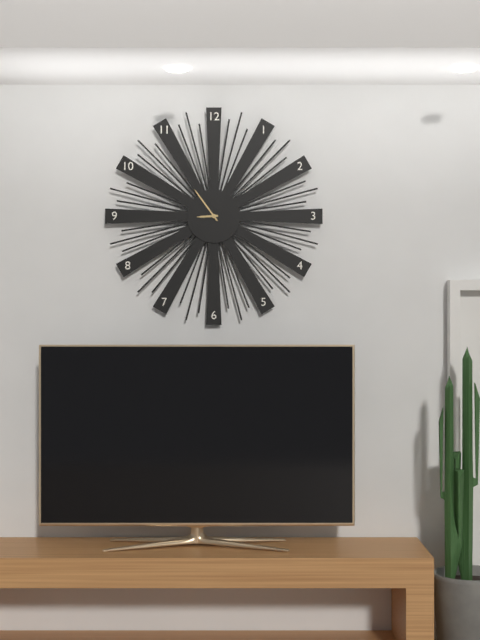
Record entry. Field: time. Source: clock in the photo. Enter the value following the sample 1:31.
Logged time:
8:54
